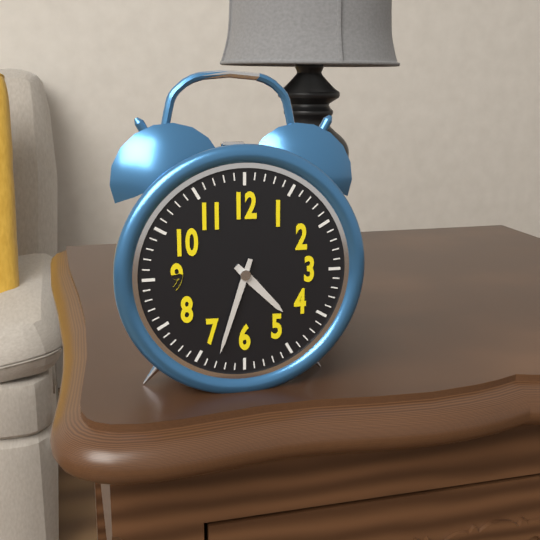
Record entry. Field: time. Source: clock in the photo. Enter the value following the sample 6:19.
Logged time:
4:33
